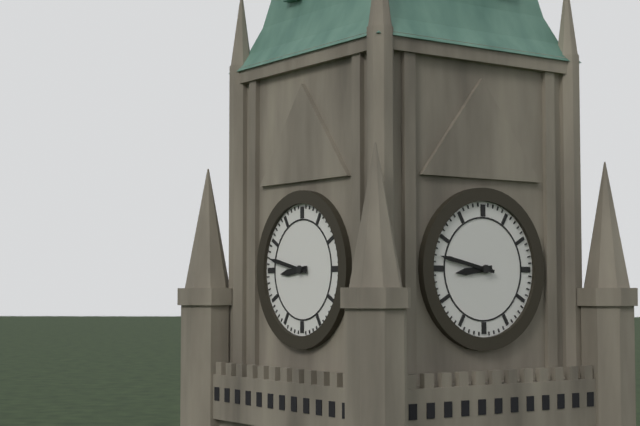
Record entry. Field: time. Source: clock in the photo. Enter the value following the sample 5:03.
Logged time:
8:47
